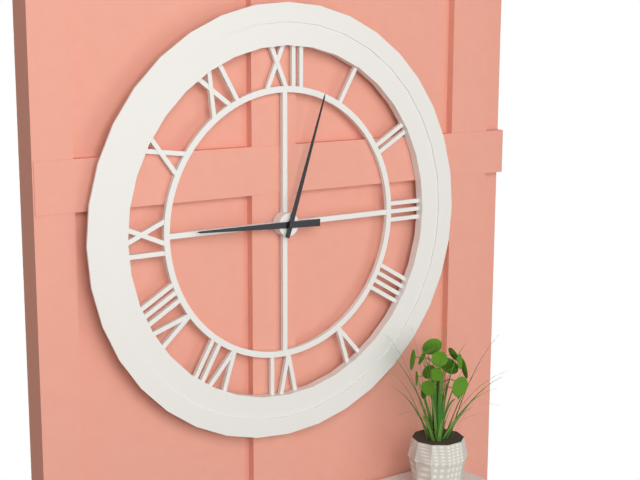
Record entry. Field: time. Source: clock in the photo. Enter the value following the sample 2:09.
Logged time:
9:03
